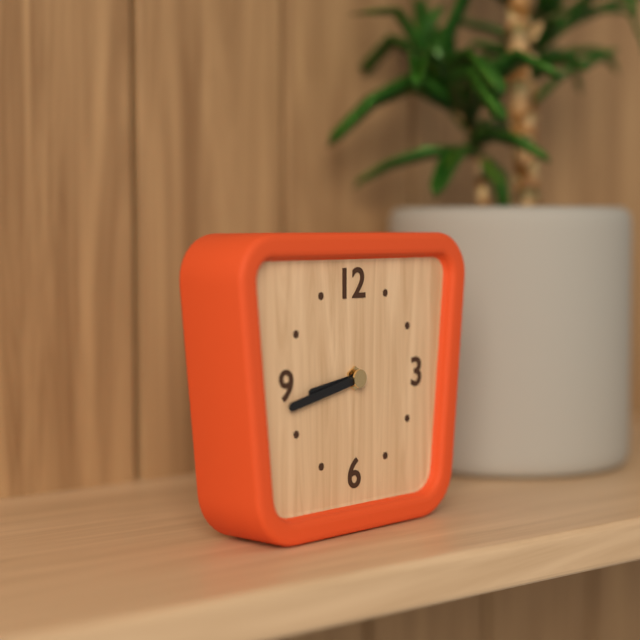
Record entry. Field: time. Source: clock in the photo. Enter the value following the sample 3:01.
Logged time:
8:43
